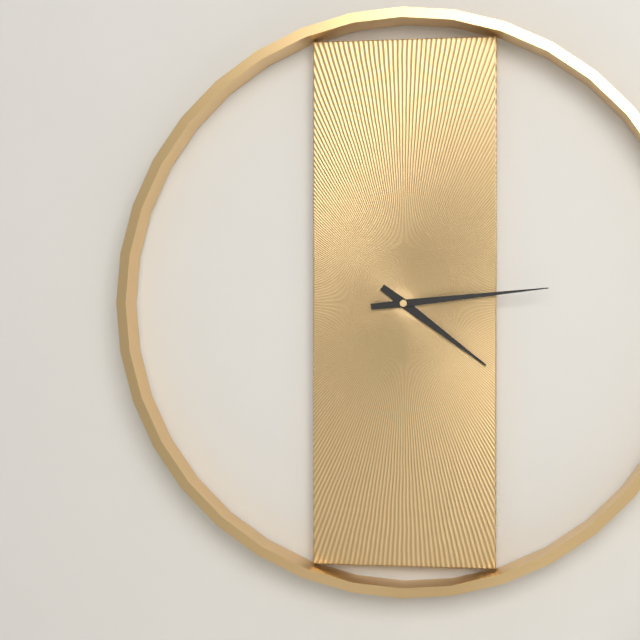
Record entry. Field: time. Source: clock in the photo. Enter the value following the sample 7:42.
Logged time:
4:14
